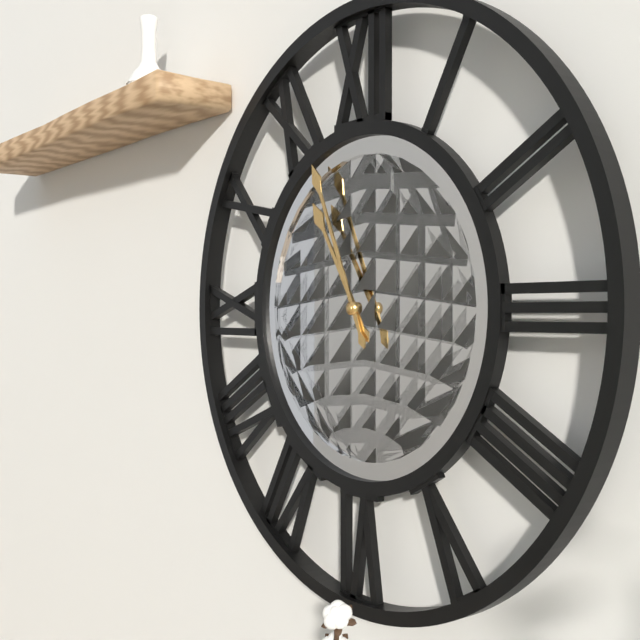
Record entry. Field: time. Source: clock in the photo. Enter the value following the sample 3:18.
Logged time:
10:56
